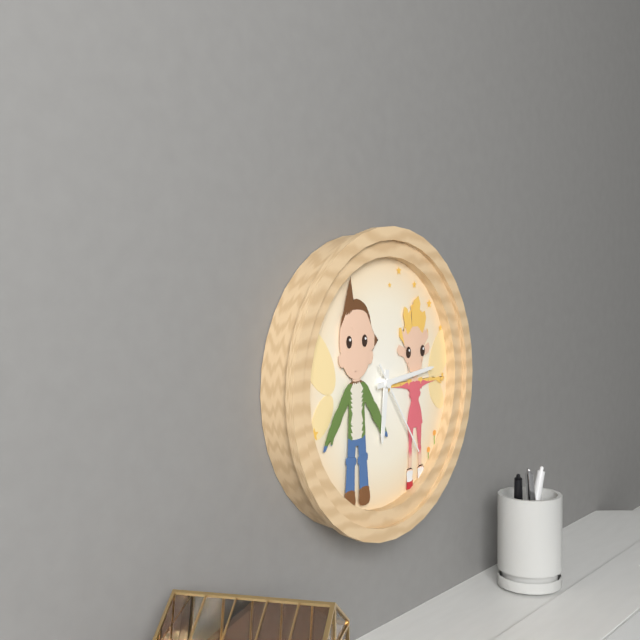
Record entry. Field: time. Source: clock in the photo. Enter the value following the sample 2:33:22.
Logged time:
6:14:24
